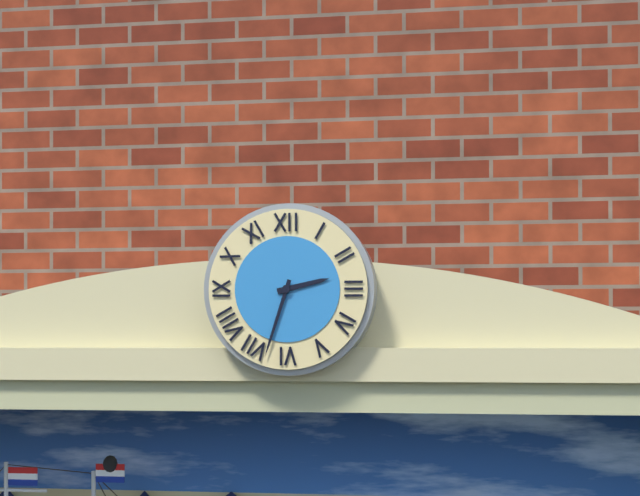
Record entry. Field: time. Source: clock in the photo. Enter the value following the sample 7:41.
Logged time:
2:33
